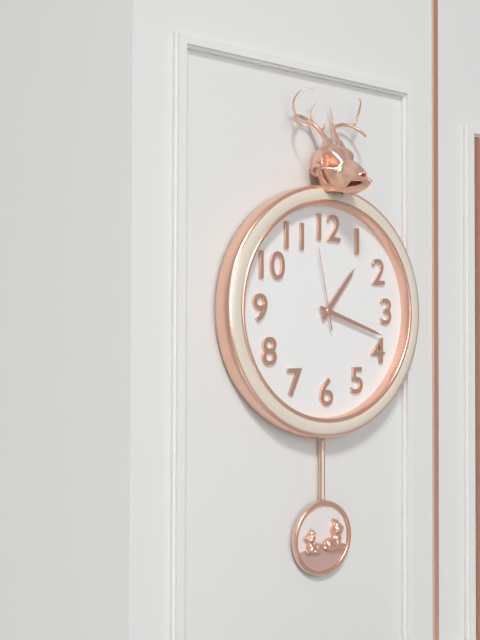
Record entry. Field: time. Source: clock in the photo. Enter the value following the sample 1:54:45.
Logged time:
1:18:58
